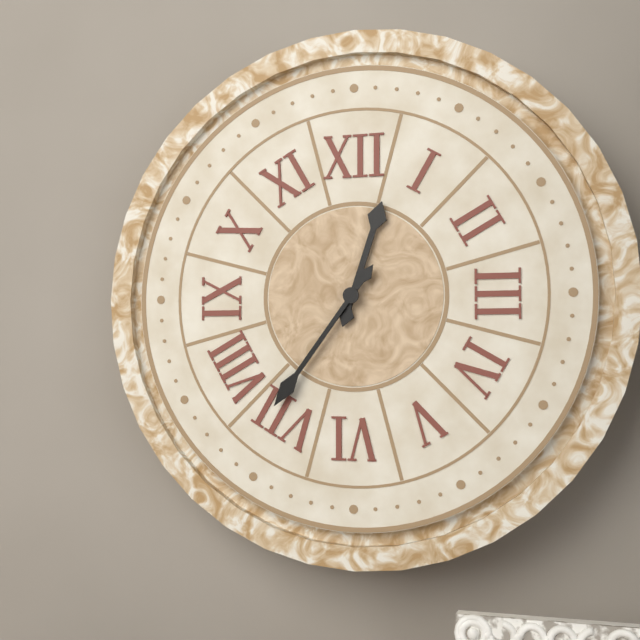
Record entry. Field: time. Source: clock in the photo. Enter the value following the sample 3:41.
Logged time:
12:36
